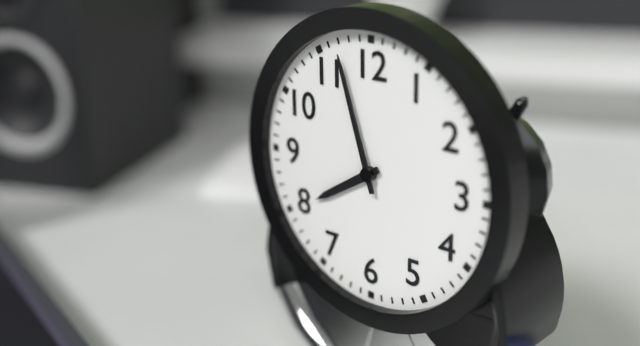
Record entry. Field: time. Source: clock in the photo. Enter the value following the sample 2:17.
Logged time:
7:57
